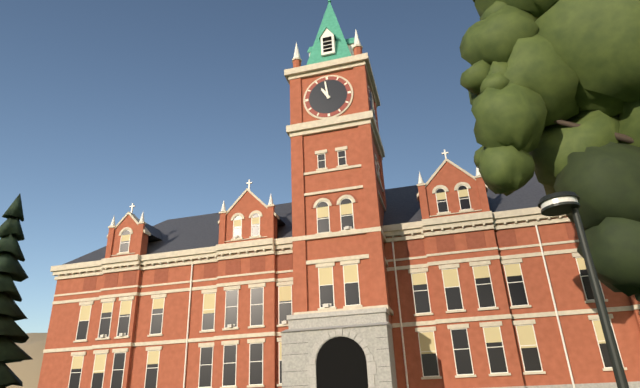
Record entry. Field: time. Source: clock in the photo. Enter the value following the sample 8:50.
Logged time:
10:59
